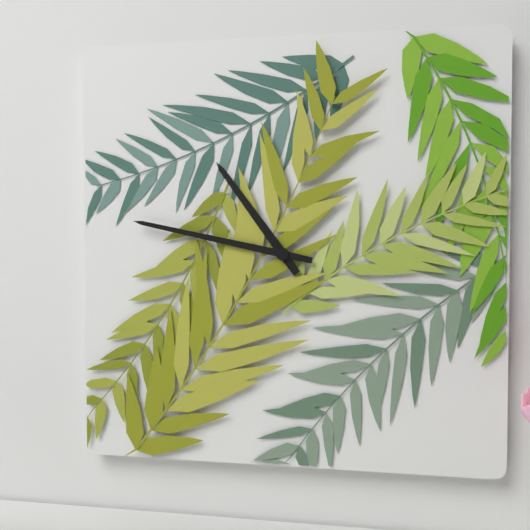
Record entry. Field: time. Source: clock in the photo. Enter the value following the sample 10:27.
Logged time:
10:47
